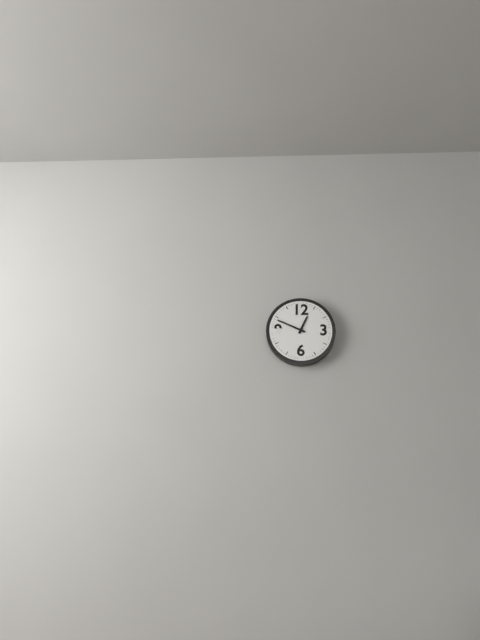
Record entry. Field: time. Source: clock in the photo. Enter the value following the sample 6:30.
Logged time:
12:49
